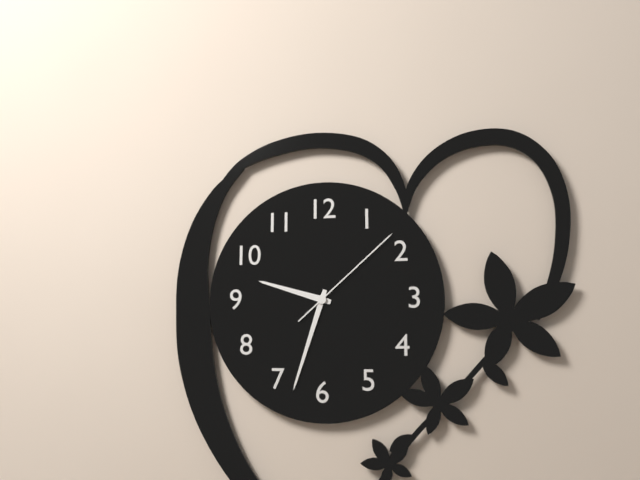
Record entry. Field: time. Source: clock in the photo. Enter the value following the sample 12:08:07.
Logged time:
9:33:08
